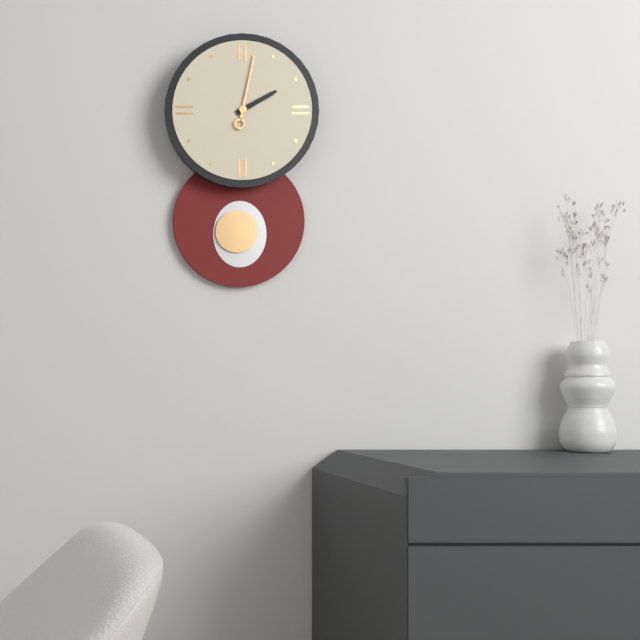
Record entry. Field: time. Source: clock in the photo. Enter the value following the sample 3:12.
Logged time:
2:02
